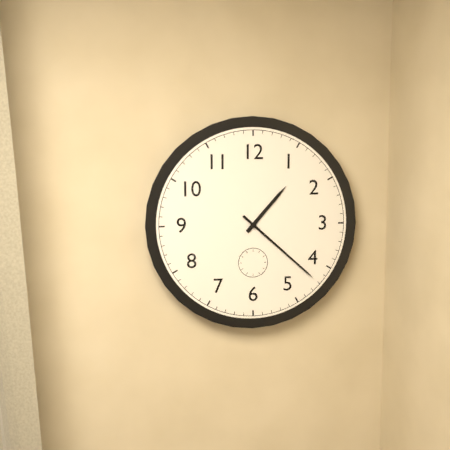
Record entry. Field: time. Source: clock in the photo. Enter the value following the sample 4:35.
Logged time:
1:22
